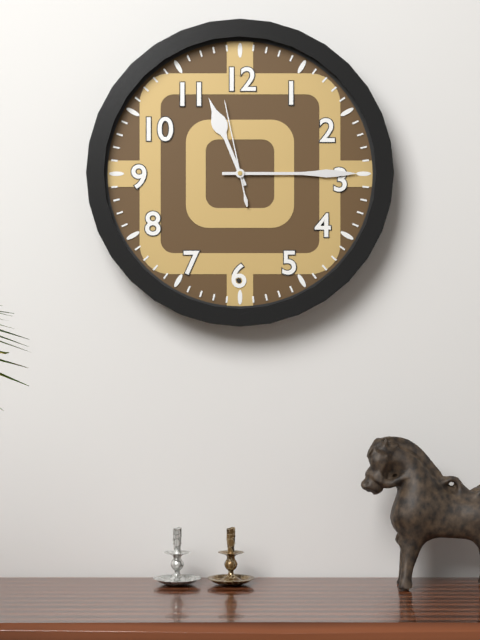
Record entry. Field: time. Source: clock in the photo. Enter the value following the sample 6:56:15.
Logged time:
11:15:58
